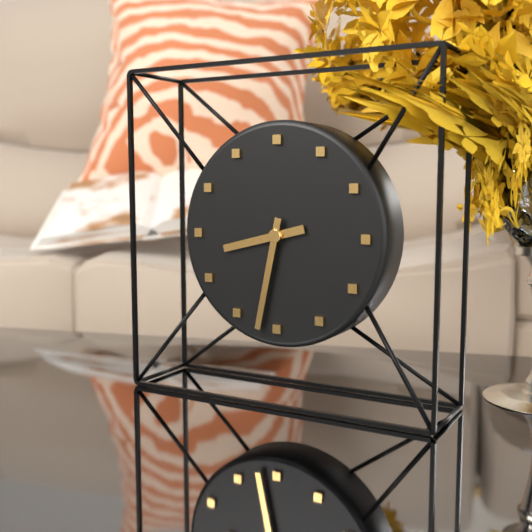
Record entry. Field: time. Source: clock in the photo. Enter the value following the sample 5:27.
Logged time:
8:32
